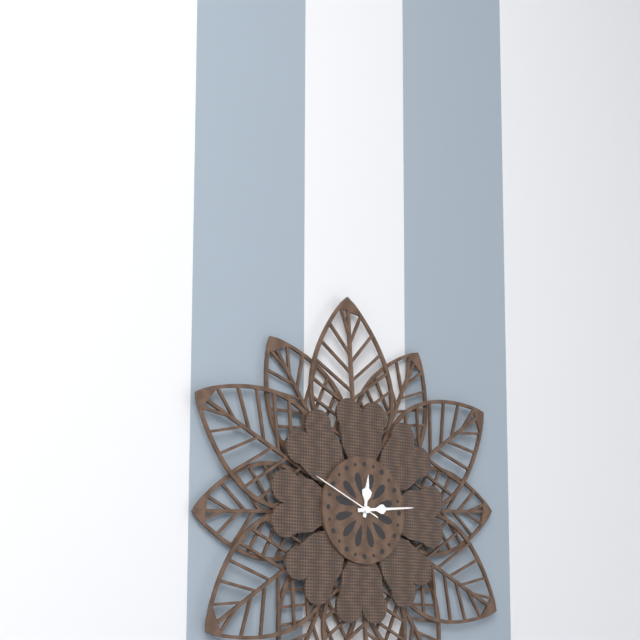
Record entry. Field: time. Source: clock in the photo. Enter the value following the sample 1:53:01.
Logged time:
12:14:49
